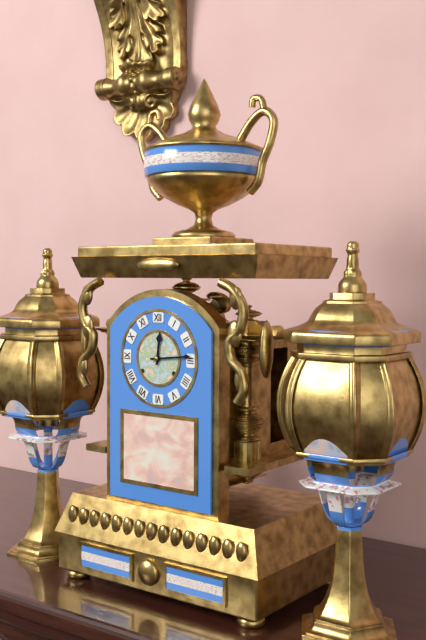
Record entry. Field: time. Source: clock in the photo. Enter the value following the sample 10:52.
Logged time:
12:14
